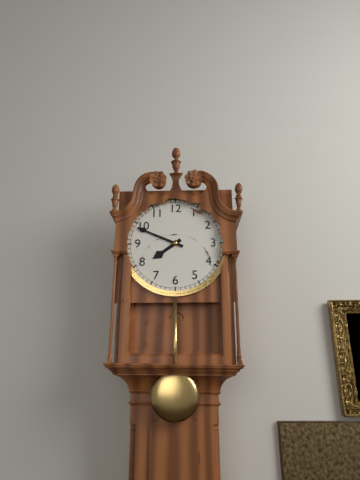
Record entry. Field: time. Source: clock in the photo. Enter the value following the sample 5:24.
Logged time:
7:49
